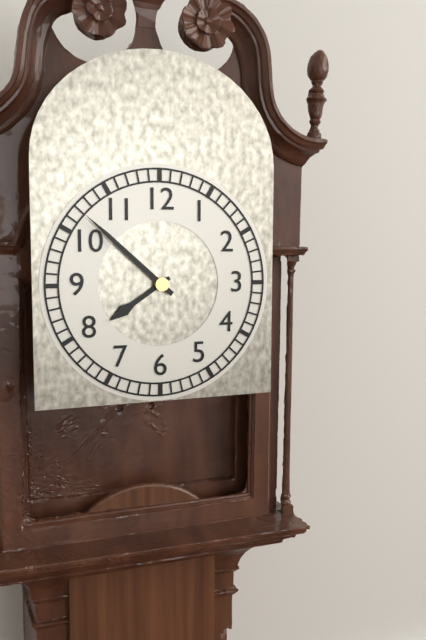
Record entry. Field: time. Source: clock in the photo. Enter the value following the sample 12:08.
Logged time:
7:52
